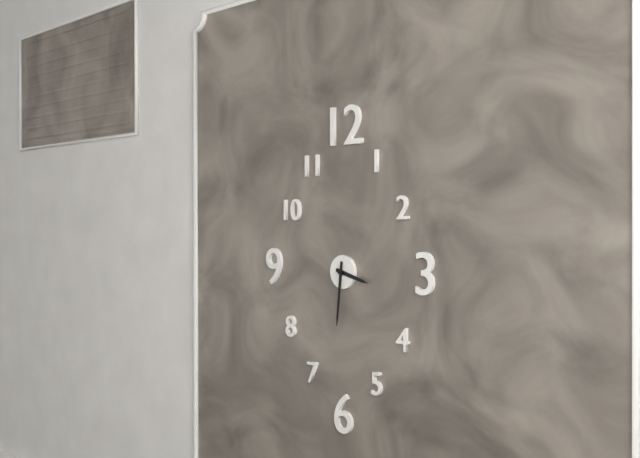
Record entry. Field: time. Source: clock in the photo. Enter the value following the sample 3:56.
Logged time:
3:31
